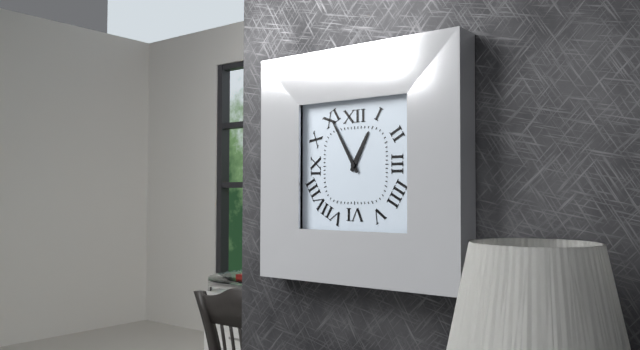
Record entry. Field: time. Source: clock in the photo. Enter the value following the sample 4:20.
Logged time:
12:55
